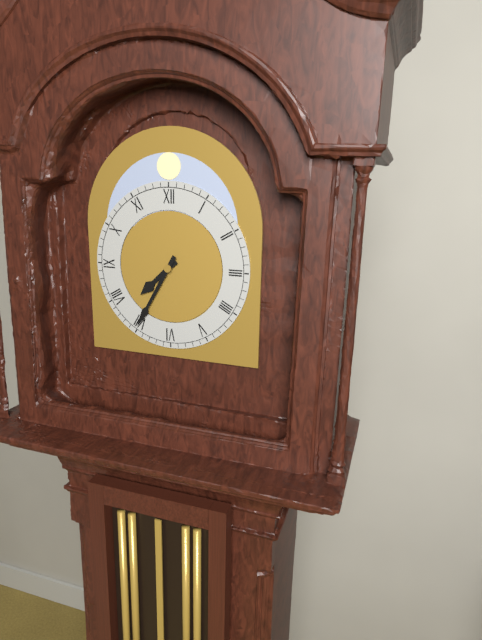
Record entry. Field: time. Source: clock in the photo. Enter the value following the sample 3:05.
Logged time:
7:35
